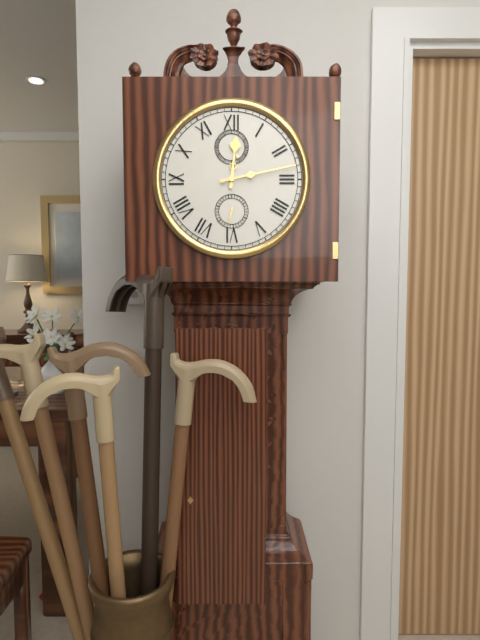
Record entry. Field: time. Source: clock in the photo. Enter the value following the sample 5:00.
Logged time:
12:13
